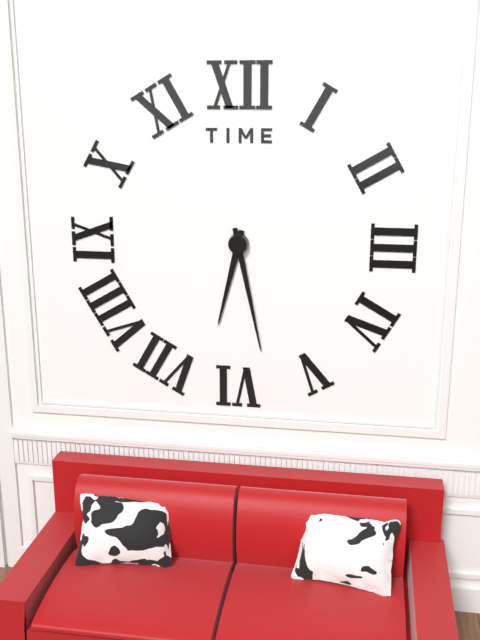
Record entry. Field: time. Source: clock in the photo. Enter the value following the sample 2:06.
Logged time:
6:28
